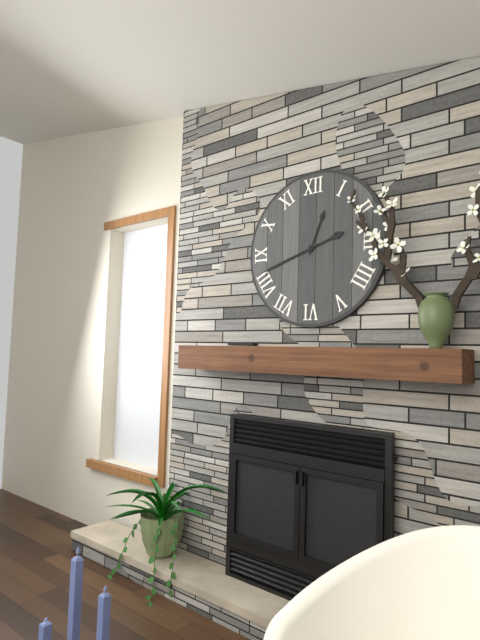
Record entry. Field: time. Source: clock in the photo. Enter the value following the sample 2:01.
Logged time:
12:42
